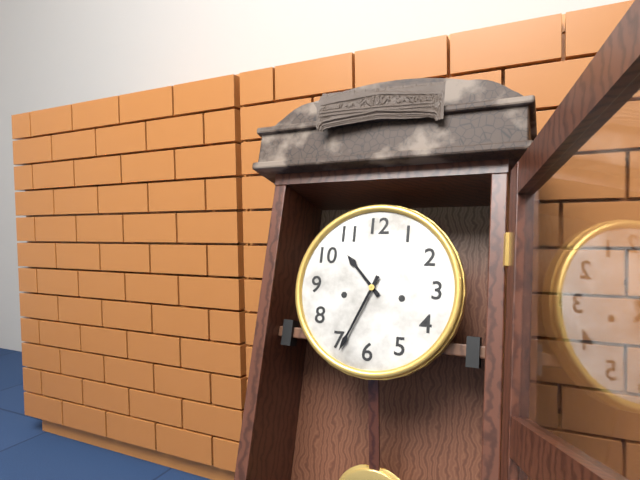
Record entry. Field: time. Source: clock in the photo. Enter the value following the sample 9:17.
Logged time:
10:34
